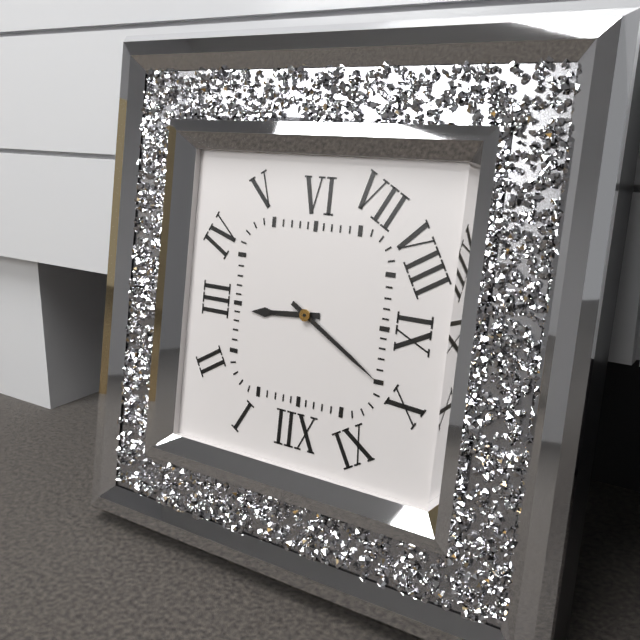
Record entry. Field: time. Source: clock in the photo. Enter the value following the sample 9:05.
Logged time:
2:50
